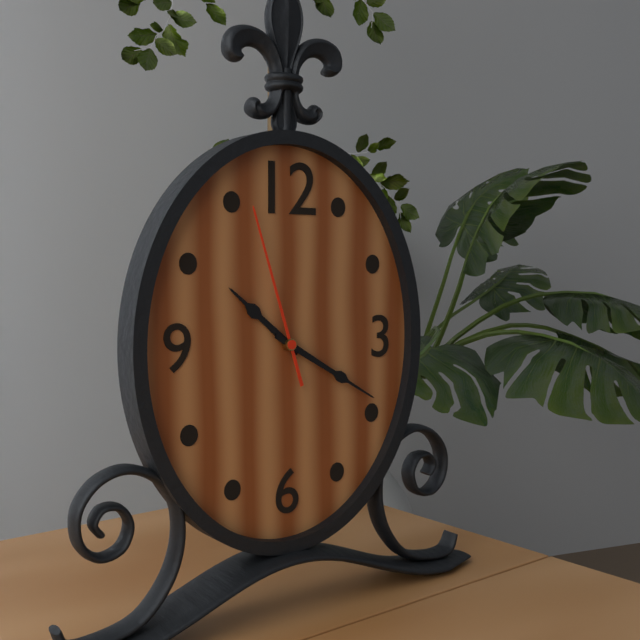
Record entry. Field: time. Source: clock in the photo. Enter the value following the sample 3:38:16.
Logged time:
10:20:57
